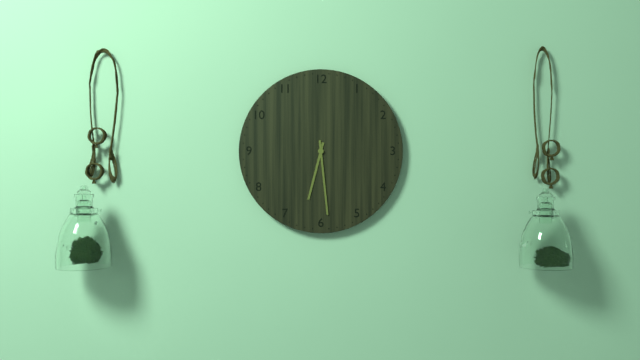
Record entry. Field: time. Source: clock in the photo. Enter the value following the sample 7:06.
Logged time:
6:29
